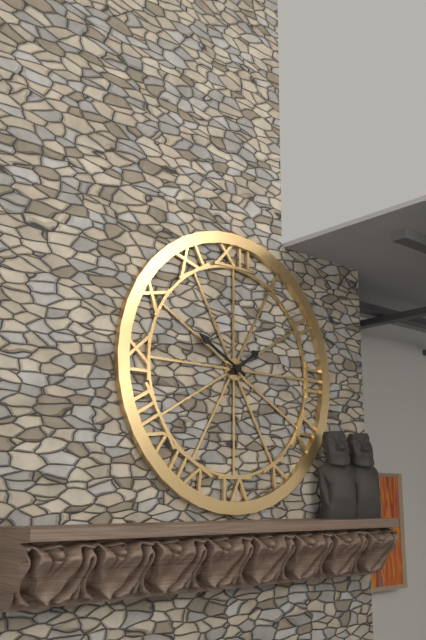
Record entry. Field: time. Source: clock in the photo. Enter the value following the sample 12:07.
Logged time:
1:50
